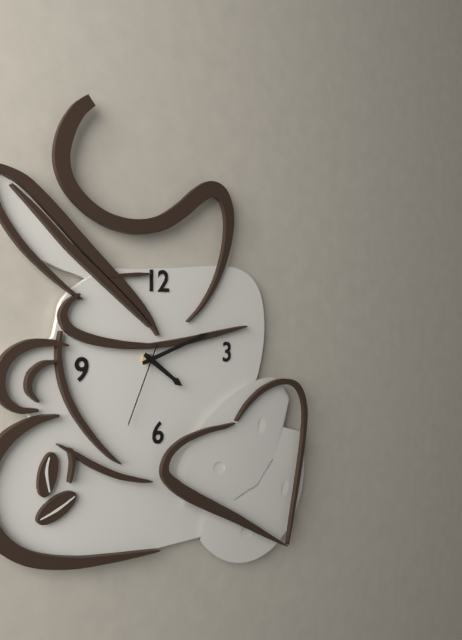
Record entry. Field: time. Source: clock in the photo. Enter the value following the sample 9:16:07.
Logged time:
4:12:34
